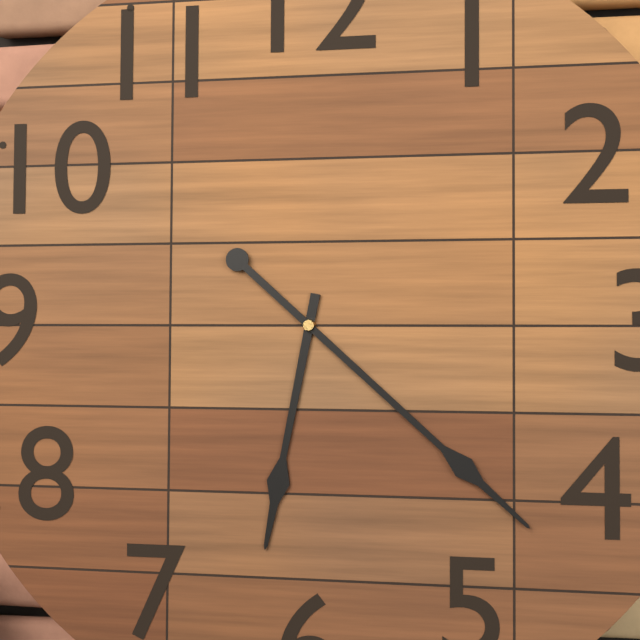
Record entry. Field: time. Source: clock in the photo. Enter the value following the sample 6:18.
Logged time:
6:22
